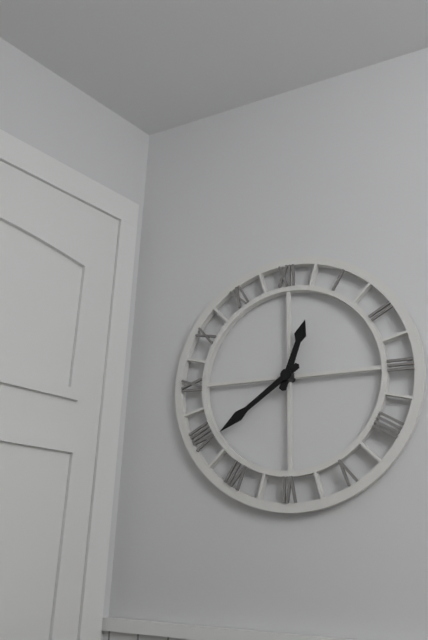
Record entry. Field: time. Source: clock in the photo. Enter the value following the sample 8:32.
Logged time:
12:39
